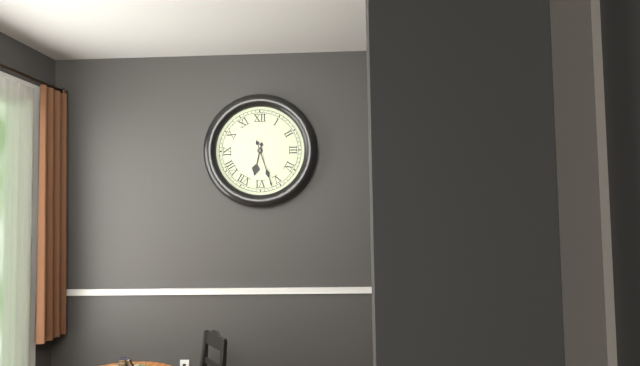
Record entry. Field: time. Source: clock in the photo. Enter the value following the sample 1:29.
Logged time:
6:27
